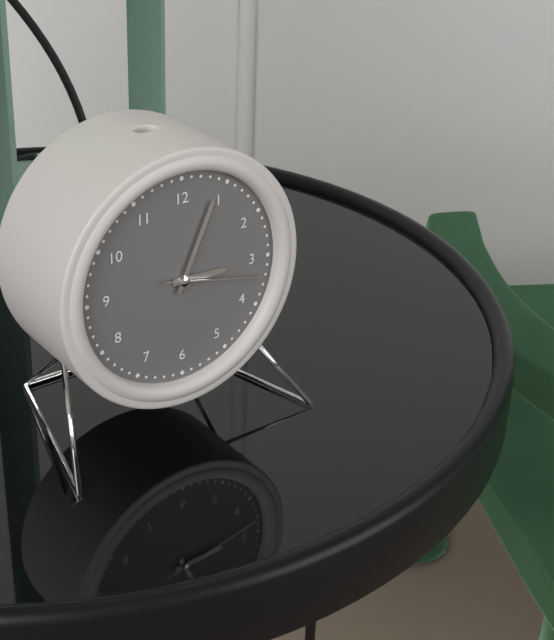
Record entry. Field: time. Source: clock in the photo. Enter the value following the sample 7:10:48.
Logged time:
3:04:17
